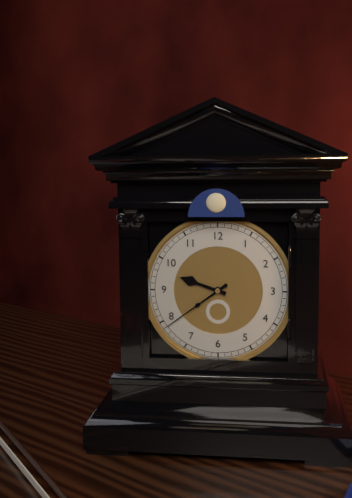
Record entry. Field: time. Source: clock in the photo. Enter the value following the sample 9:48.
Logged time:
9:39
